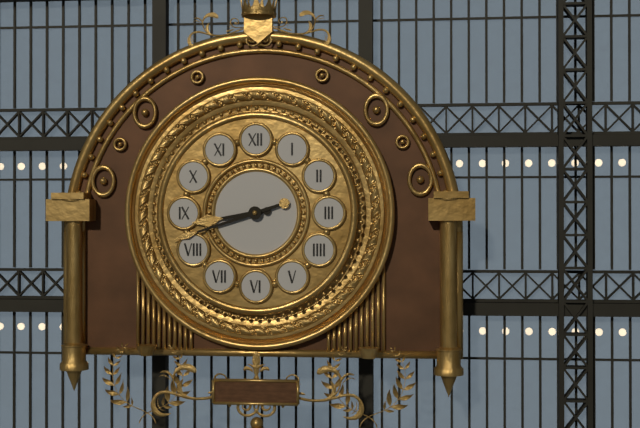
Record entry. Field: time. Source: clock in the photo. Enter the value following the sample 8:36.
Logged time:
8:42
